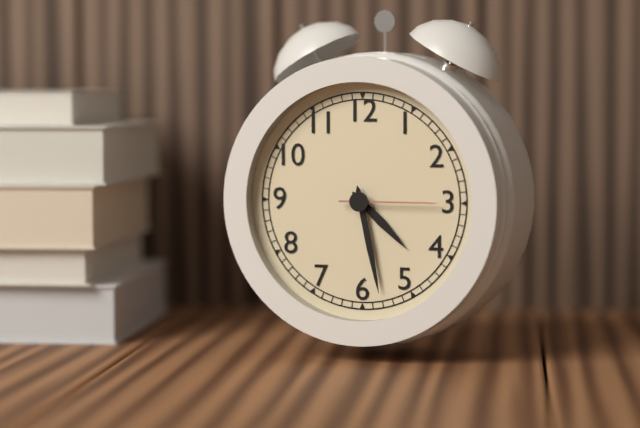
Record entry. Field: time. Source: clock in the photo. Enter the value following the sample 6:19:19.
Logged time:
4:28:15
